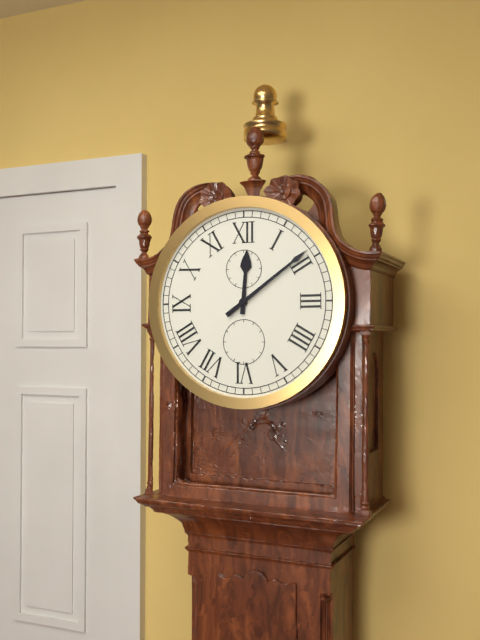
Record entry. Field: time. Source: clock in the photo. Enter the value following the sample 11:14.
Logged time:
12:09
